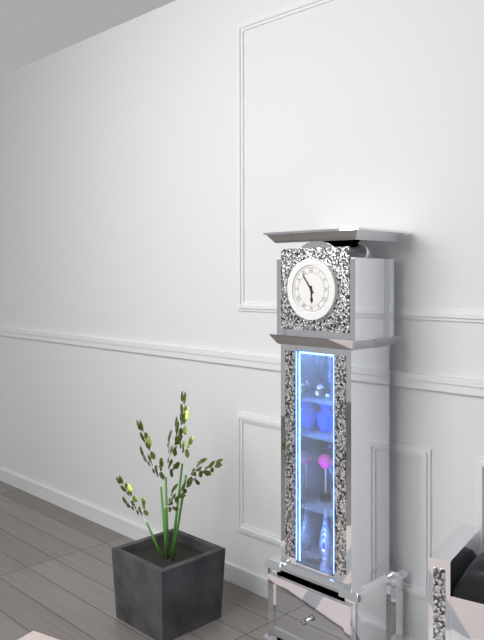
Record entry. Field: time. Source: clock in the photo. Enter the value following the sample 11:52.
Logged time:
5:54
